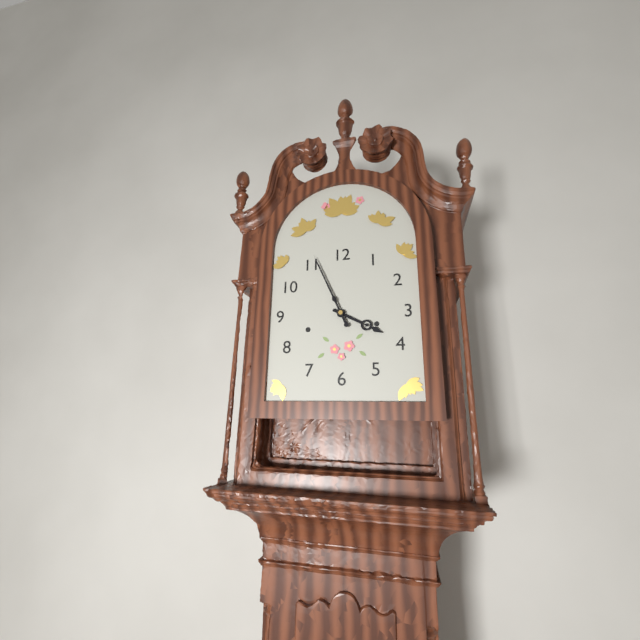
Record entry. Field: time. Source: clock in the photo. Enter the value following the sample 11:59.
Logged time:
3:56
